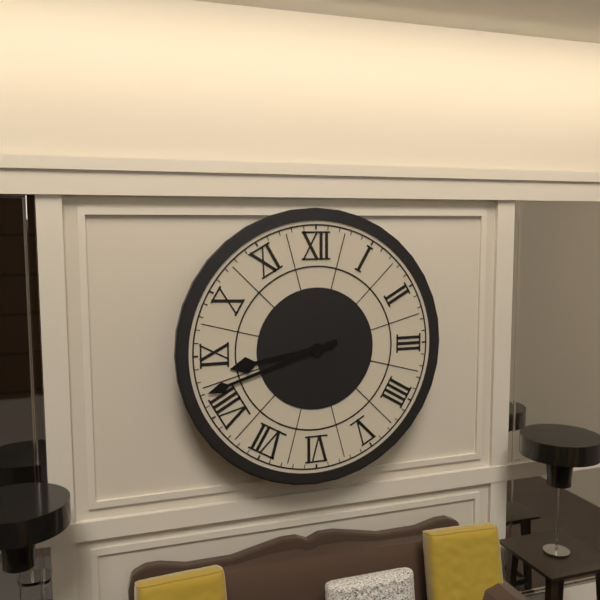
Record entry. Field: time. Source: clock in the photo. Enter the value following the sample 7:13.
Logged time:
8:42
